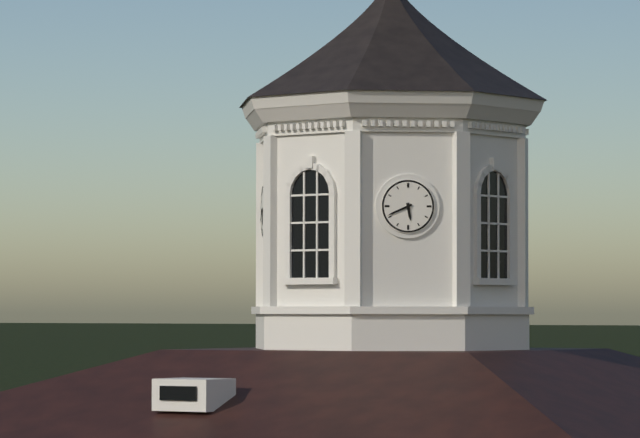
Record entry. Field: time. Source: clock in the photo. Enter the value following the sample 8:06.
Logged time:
5:41
